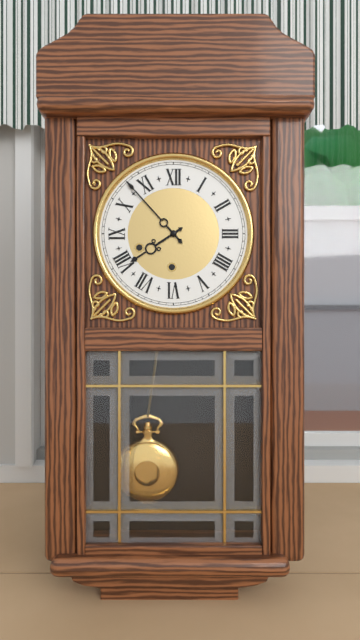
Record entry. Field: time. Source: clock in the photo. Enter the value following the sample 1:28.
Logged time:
7:53
